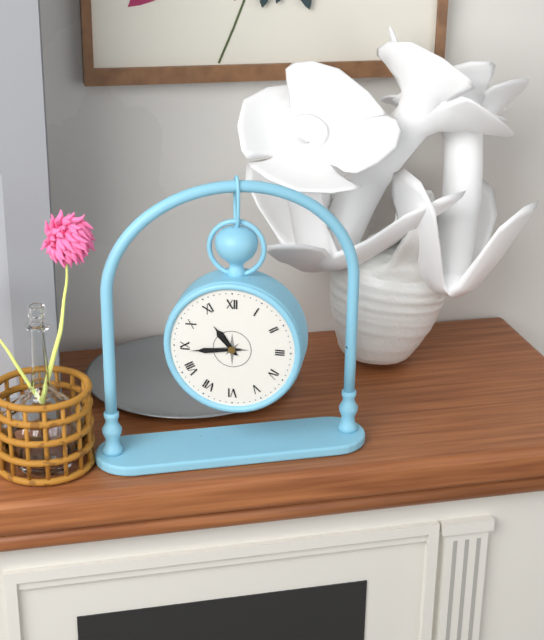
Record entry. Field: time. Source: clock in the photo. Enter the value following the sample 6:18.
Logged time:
10:44
